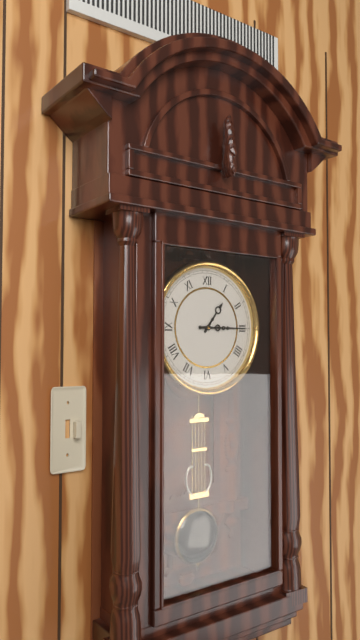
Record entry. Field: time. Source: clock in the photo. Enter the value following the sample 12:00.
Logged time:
1:15
